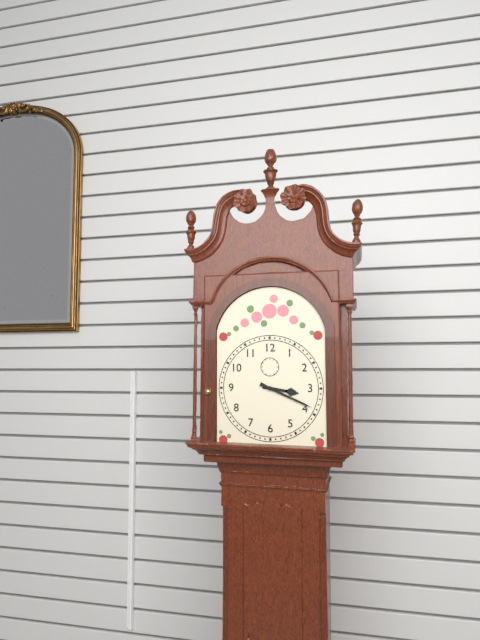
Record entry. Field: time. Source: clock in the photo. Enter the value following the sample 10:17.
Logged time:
3:19
